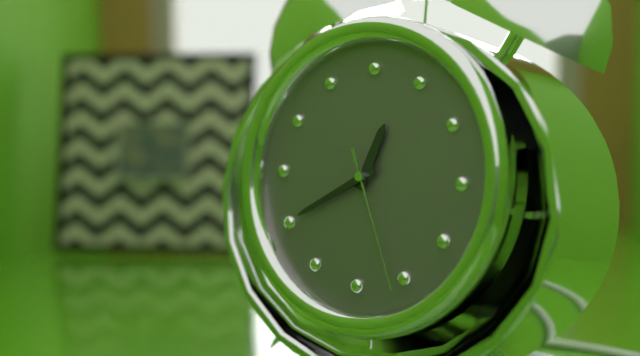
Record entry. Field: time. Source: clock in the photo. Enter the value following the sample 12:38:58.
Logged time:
12:40:26
